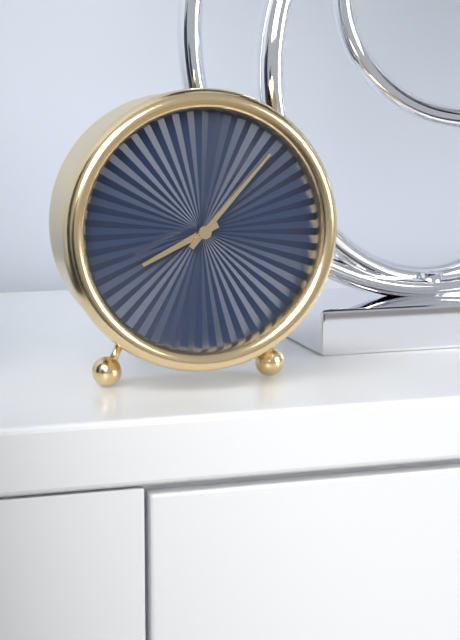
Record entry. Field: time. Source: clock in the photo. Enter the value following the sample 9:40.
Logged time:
8:07
